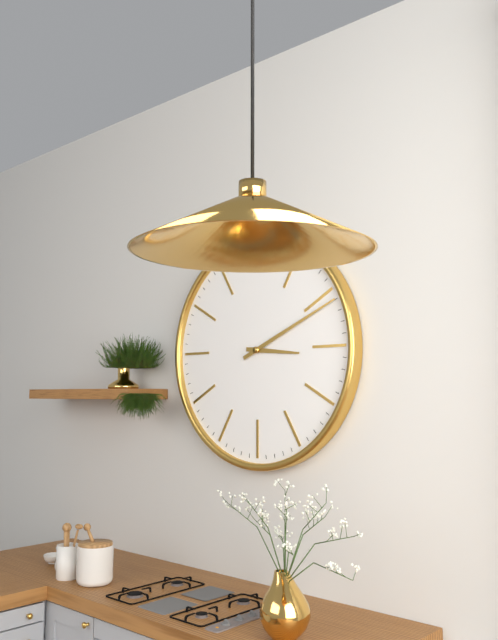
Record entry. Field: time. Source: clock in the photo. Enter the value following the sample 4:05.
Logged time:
3:11
